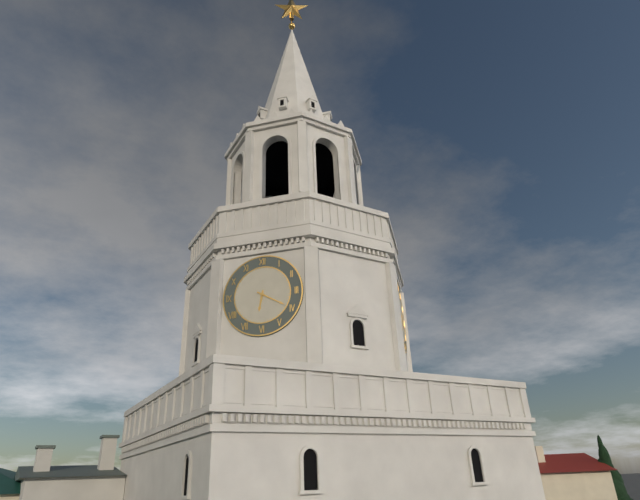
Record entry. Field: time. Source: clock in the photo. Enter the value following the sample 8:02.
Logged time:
6:20
